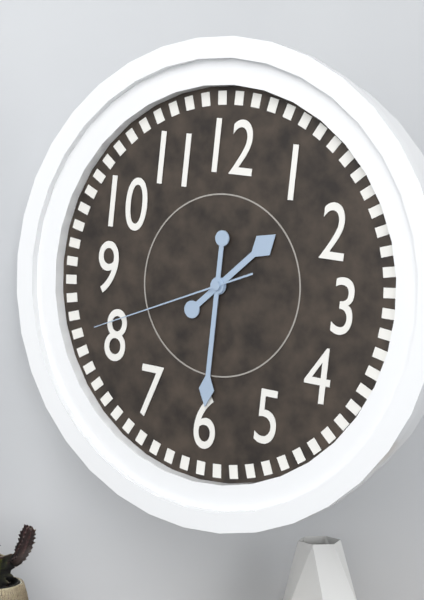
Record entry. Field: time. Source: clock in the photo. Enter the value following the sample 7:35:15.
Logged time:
1:30:41
